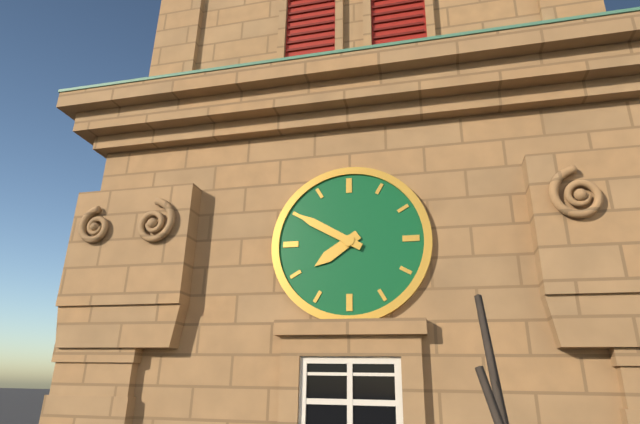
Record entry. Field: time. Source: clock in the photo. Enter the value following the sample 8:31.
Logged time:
7:50
